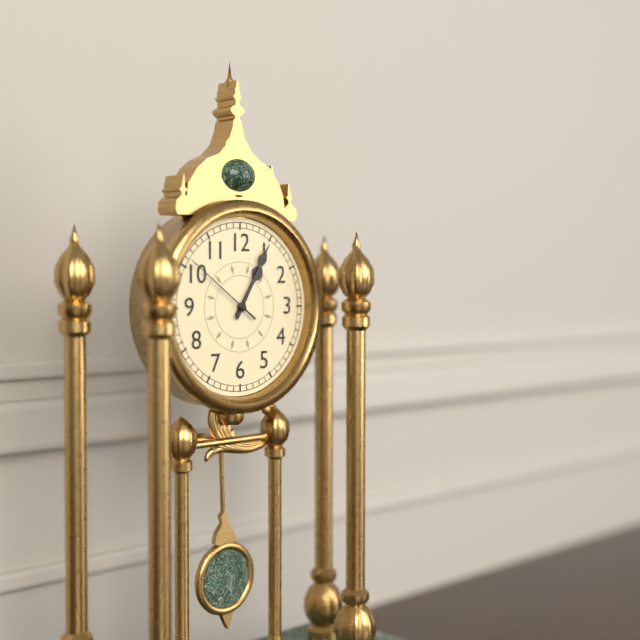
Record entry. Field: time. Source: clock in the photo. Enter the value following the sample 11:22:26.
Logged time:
1:05:51
